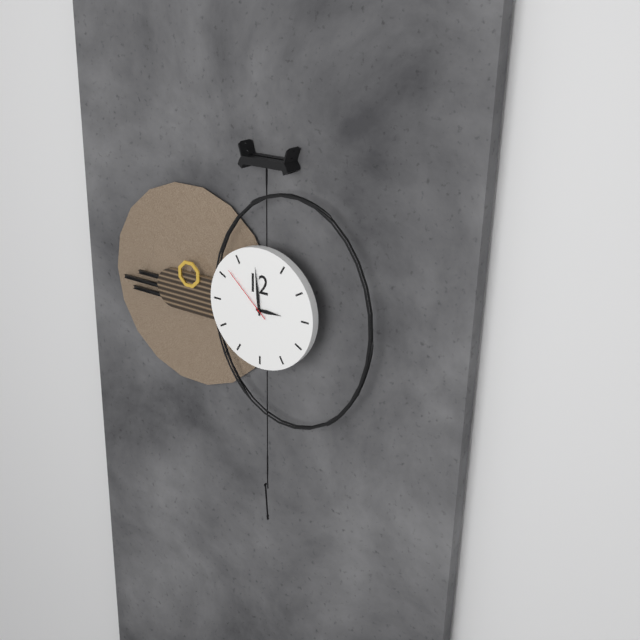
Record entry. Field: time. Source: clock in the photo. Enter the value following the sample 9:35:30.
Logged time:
2:59:52
